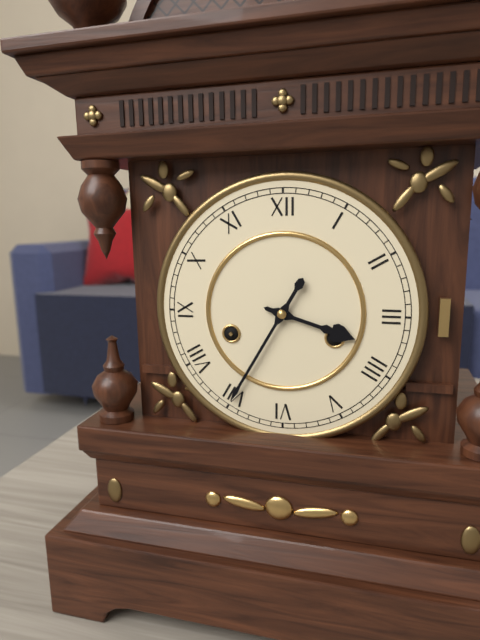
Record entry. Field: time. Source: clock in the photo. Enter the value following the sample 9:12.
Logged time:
3:35
